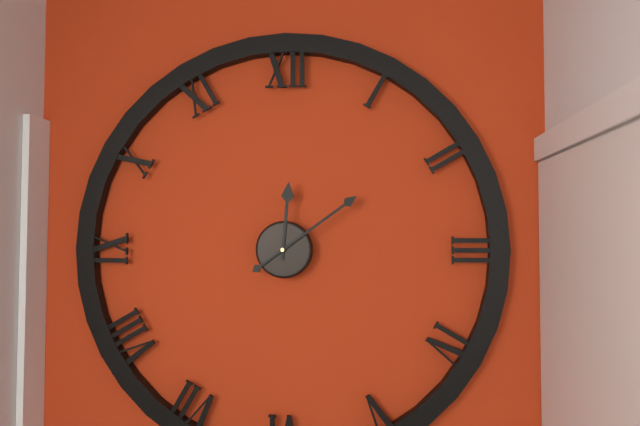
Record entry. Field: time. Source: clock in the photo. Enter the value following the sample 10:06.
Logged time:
12:09
